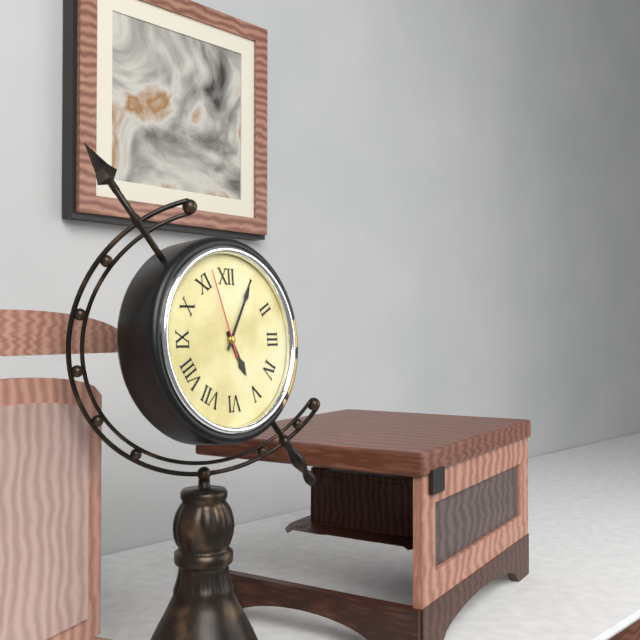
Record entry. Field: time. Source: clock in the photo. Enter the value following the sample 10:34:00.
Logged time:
5:05:57
